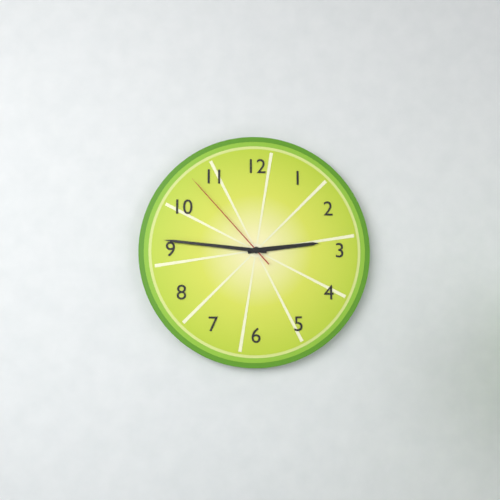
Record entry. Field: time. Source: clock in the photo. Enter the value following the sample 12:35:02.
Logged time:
2:46:53
